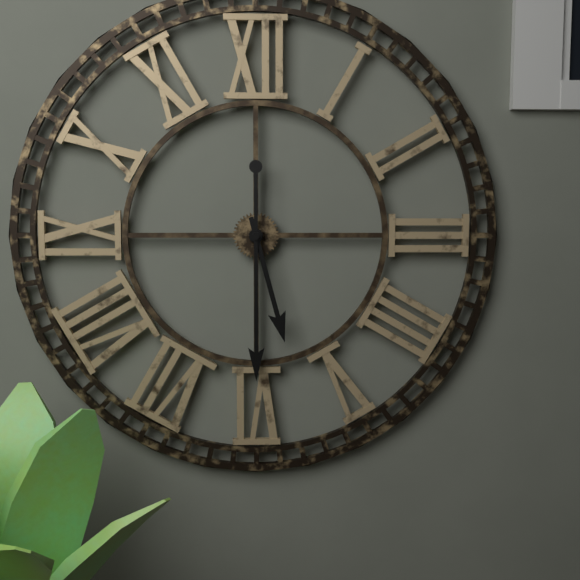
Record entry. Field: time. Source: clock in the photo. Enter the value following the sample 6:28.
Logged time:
5:30
